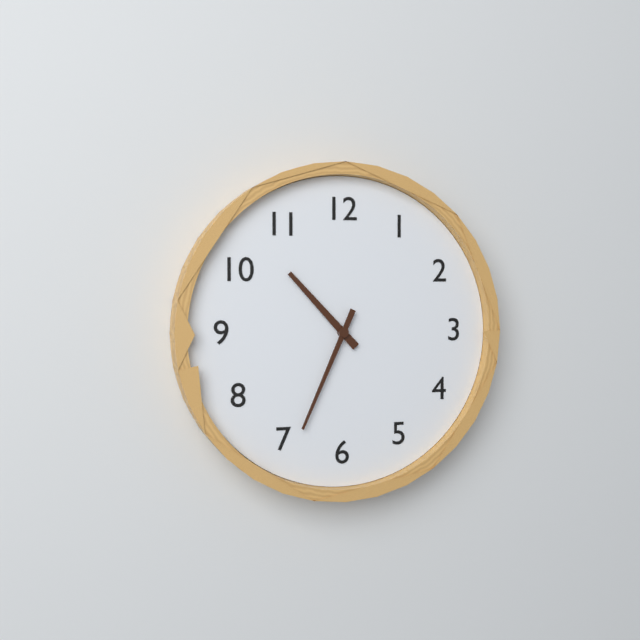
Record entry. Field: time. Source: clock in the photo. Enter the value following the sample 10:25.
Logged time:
10:34
